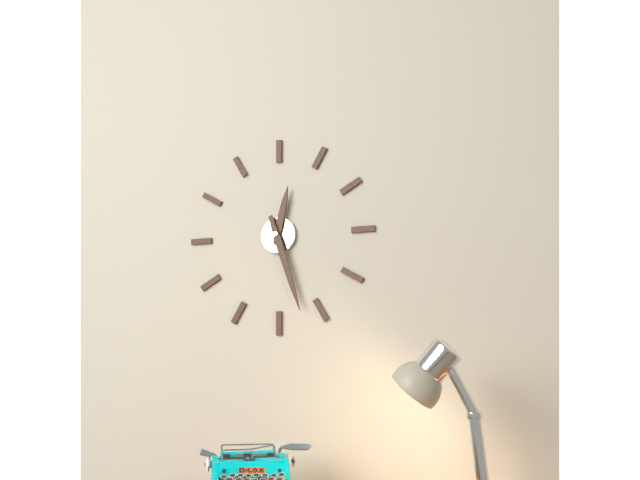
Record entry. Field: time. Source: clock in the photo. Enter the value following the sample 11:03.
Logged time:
12:27
